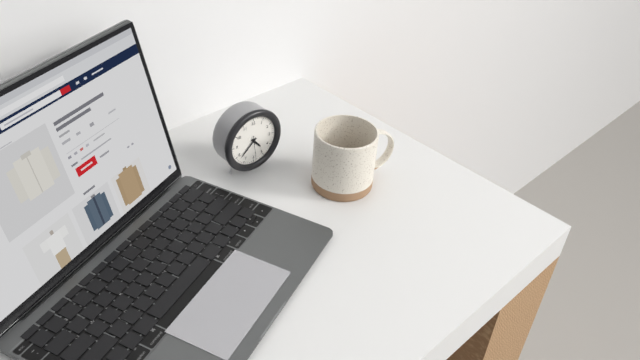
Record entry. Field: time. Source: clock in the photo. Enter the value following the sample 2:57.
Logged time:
4:38
